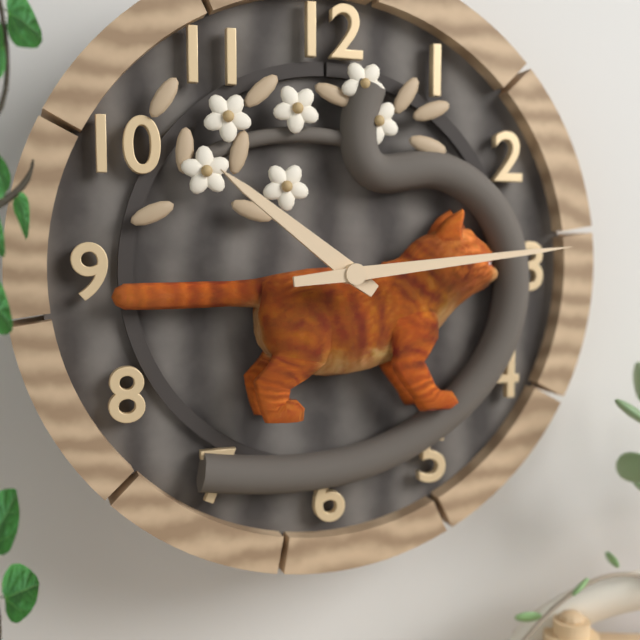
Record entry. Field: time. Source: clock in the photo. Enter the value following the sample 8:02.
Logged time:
10:14
